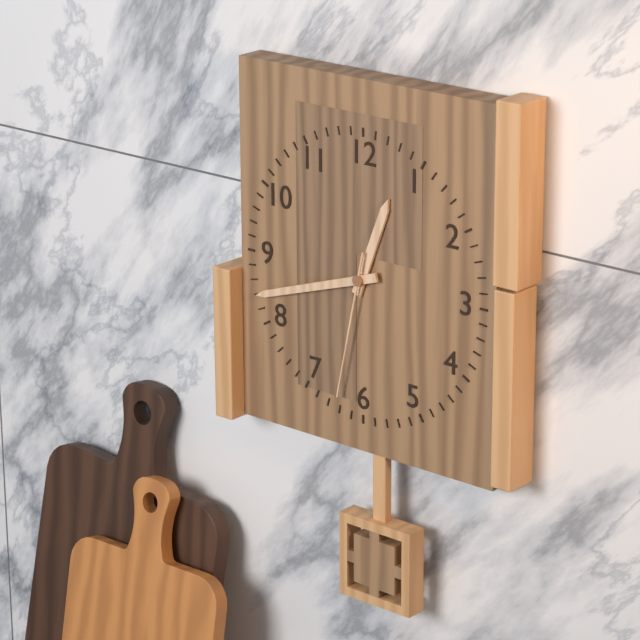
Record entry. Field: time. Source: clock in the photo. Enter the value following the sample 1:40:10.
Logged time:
12:42:32
